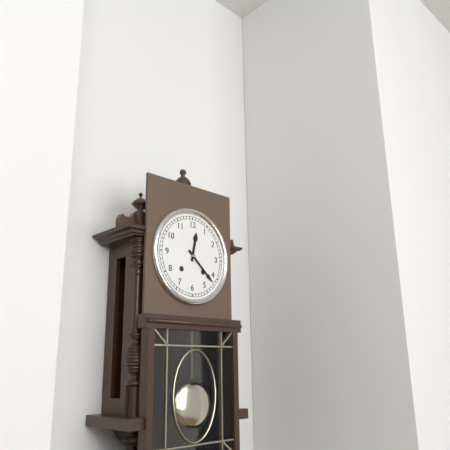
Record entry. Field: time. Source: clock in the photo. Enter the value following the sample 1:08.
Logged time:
12:22
